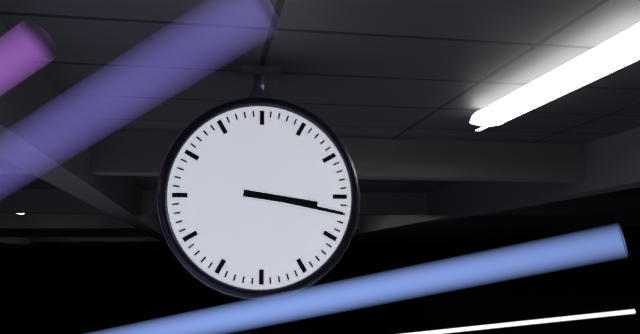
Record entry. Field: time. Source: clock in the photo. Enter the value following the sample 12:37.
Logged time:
3:17
